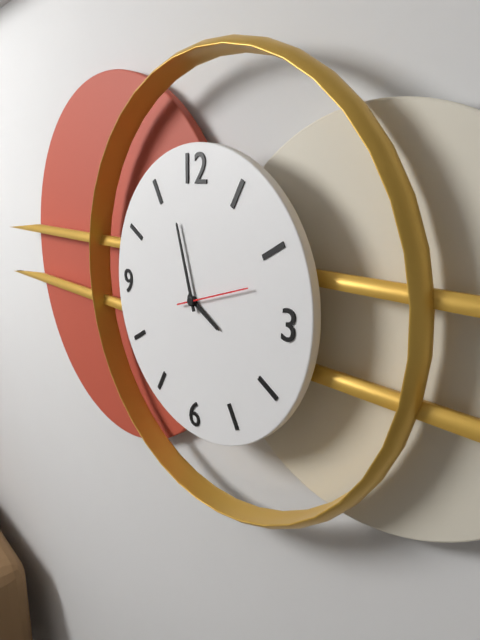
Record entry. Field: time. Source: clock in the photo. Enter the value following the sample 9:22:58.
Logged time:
3:57:12
